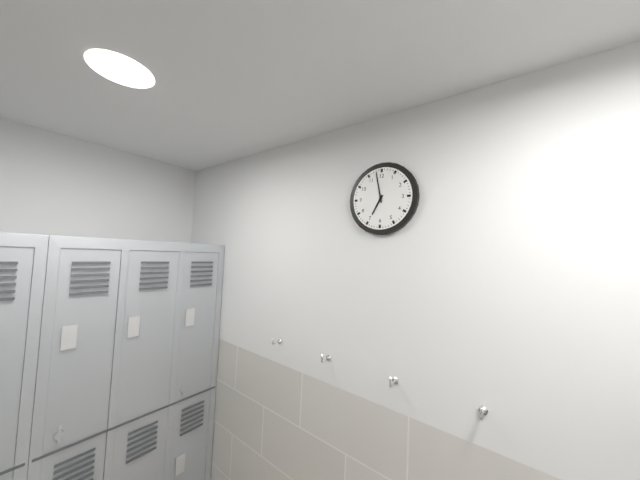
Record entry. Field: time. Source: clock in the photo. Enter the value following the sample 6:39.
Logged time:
6:58
